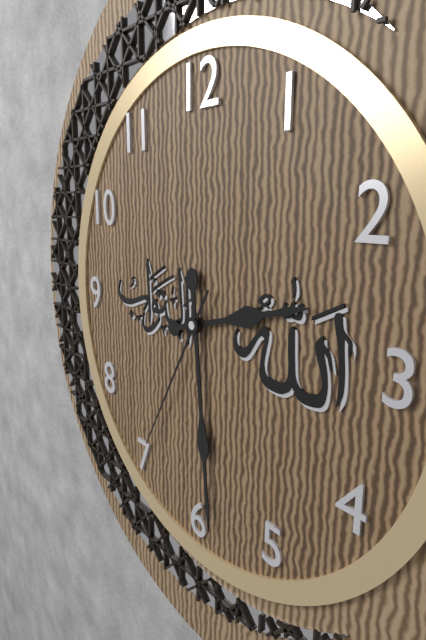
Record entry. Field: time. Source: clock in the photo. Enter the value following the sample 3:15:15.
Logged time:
2:29:35
